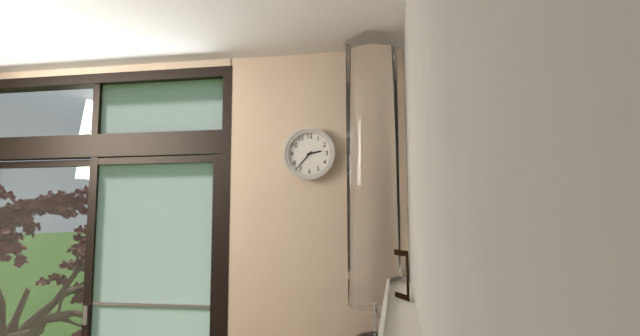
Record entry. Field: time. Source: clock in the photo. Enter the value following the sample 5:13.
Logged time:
2:37
